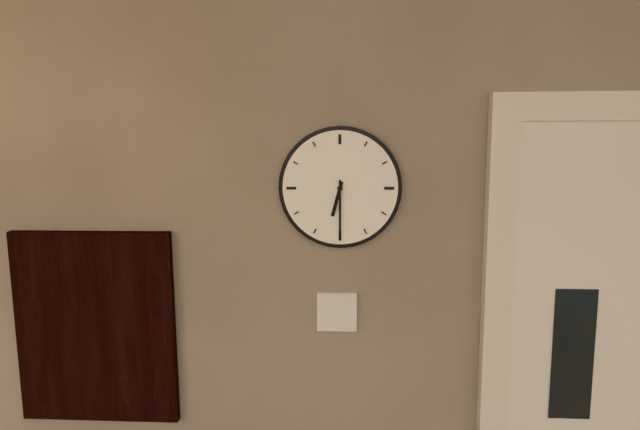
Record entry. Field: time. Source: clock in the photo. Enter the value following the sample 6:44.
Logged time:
6:30
